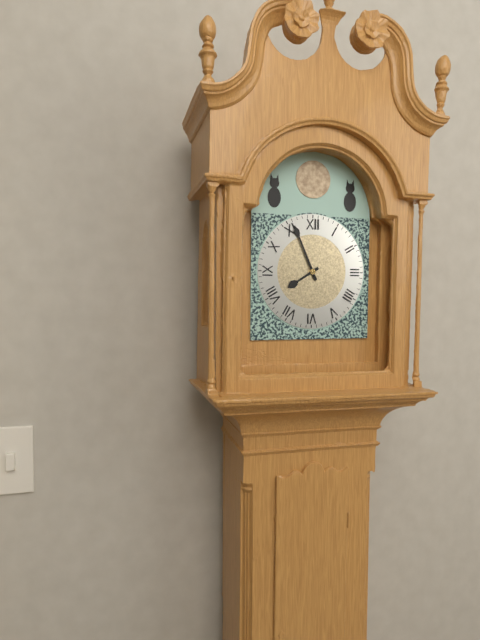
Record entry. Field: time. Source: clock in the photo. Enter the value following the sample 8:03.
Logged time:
7:56
